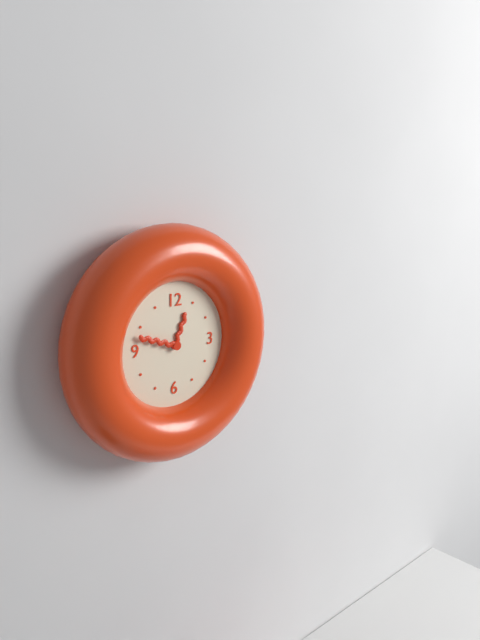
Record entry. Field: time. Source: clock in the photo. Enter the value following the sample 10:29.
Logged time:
12:48
